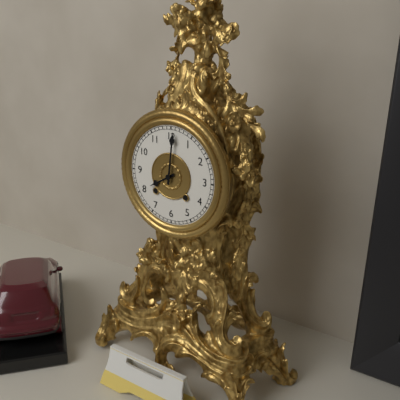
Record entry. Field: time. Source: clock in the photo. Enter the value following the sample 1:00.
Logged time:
8:01
